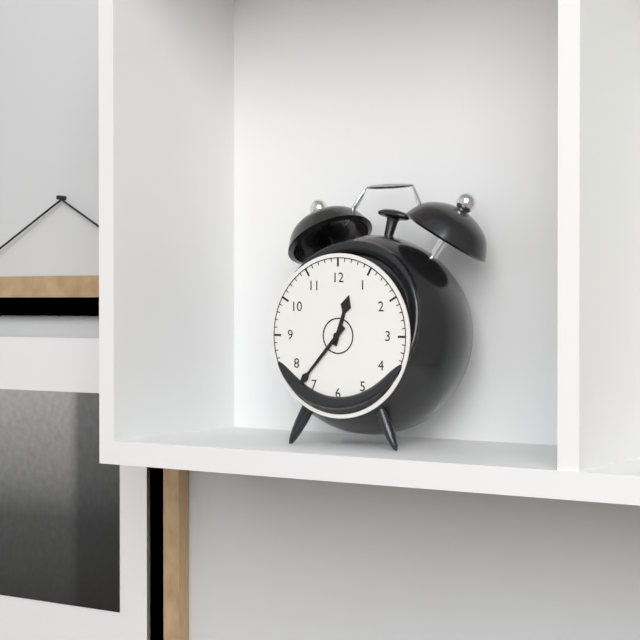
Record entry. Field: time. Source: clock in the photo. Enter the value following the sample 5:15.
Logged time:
12:37
